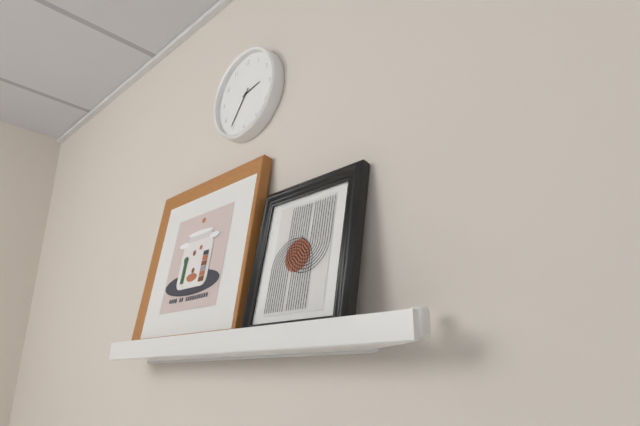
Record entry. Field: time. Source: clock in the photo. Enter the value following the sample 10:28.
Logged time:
2:36
